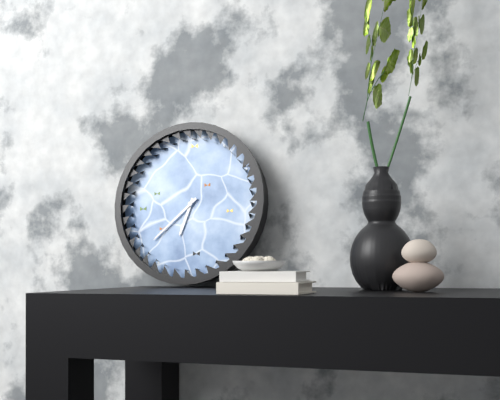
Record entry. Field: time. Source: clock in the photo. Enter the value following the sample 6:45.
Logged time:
6:38
